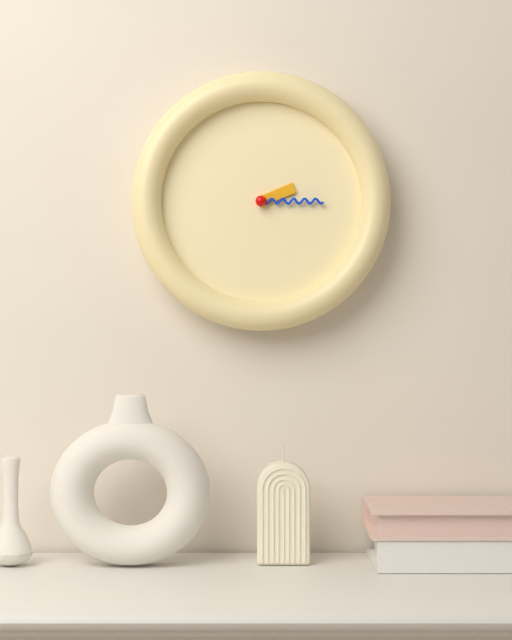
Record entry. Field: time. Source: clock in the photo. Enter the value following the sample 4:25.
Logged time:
2:15
